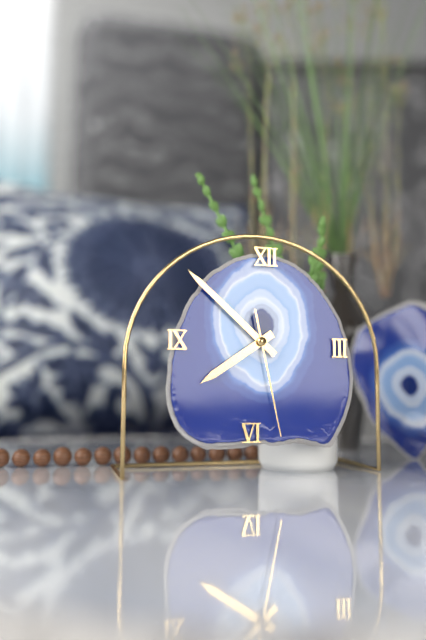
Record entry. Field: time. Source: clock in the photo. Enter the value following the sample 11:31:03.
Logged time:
7:52:28
